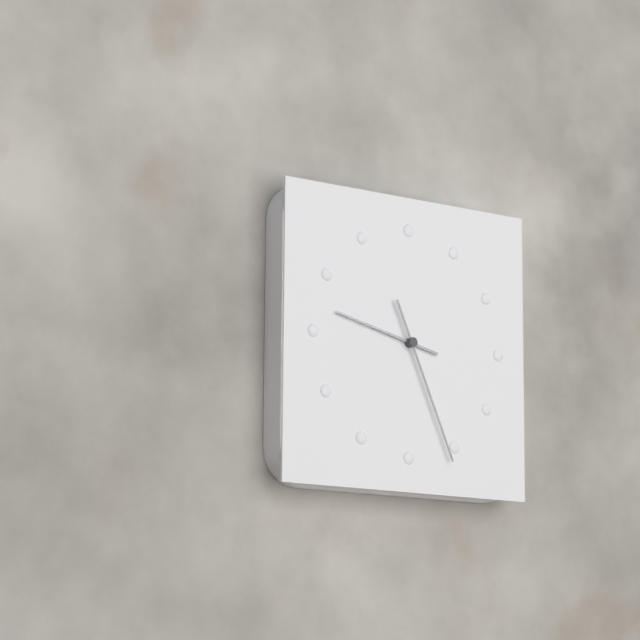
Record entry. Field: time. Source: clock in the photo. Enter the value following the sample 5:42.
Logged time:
9:26
